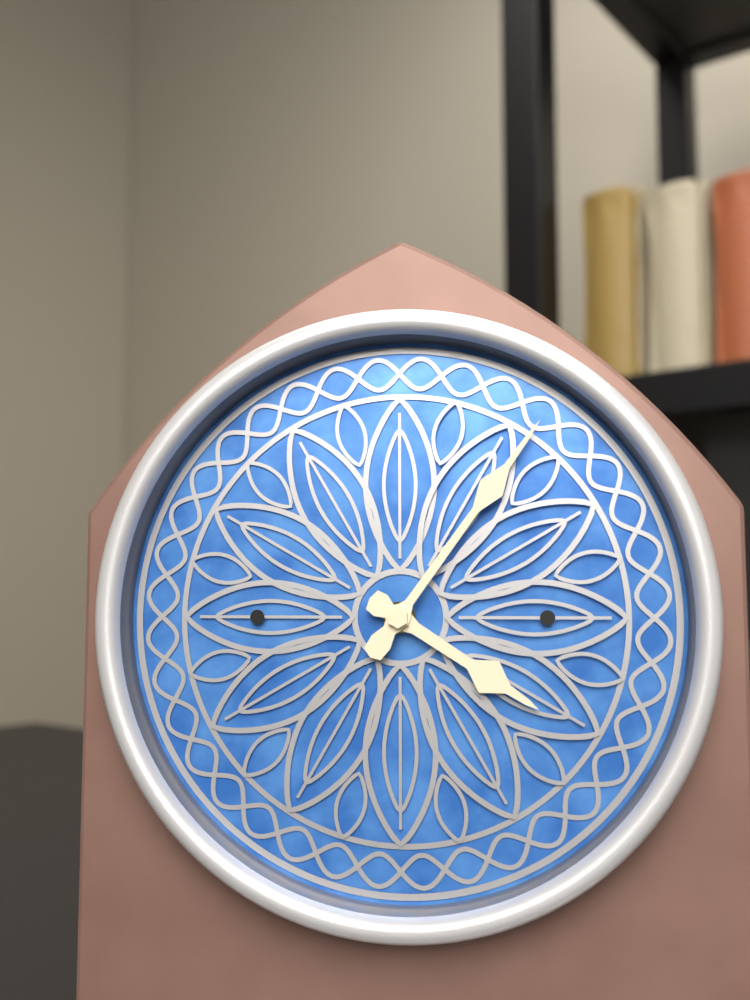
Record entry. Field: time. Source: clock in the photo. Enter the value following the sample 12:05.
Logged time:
4:06
